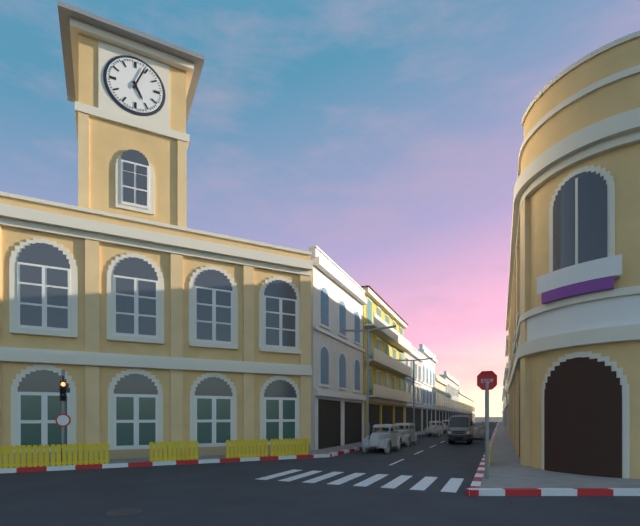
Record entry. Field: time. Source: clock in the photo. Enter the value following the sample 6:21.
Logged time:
5:04
